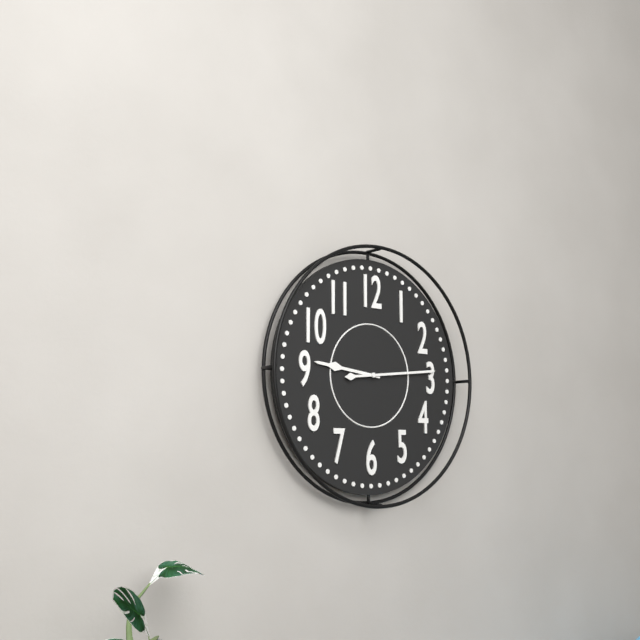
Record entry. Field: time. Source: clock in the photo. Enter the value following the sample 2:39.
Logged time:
9:14
